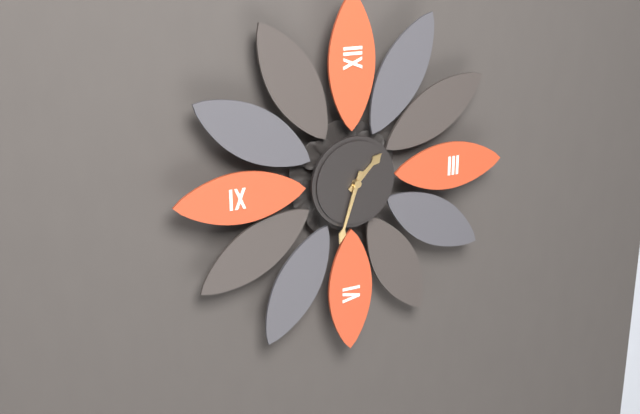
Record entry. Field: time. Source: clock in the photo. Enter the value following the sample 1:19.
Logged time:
1:33
